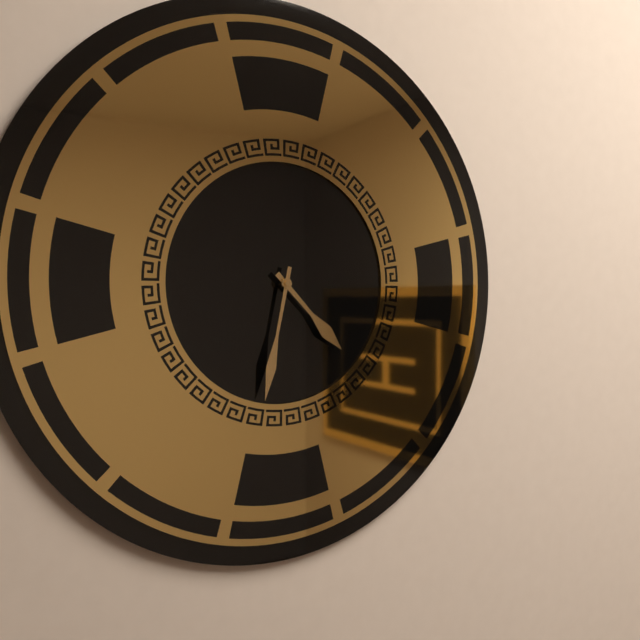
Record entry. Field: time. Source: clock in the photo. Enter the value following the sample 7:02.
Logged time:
4:32
